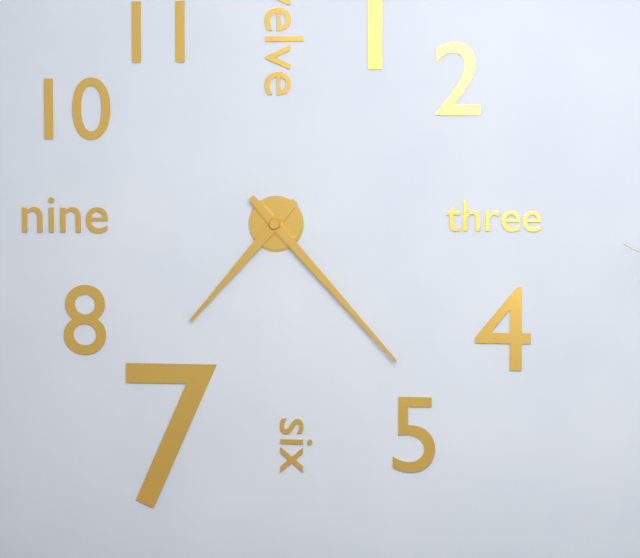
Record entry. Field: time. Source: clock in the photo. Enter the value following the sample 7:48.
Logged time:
7:23
